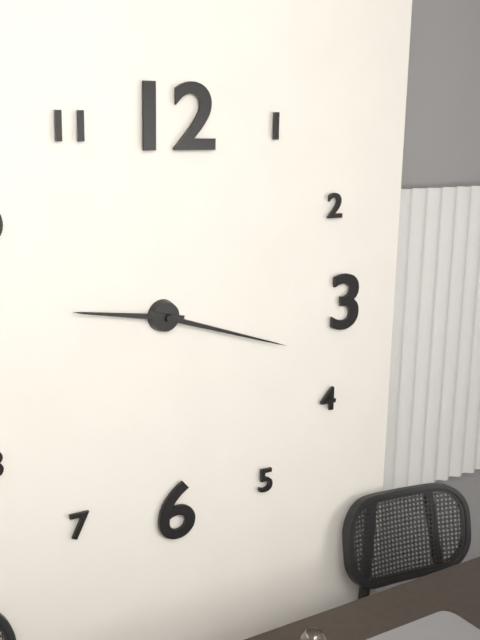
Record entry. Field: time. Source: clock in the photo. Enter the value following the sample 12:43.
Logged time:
9:18
